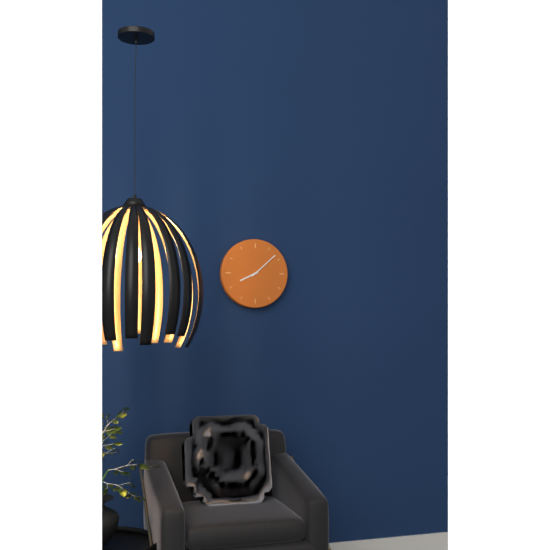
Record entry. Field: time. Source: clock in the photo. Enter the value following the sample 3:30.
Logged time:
8:08
